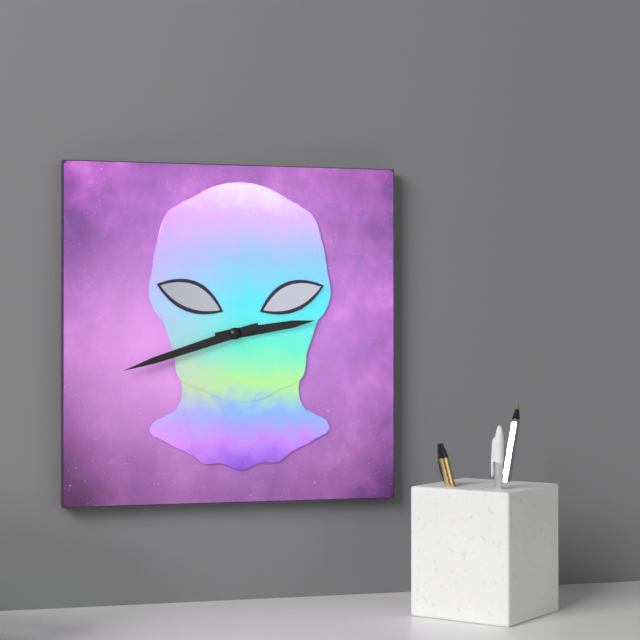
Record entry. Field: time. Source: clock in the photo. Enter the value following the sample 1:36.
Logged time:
2:42
